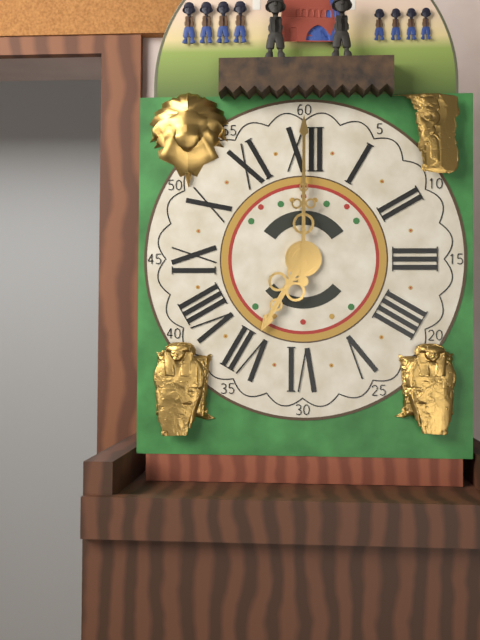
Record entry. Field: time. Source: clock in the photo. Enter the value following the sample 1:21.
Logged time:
7:00
